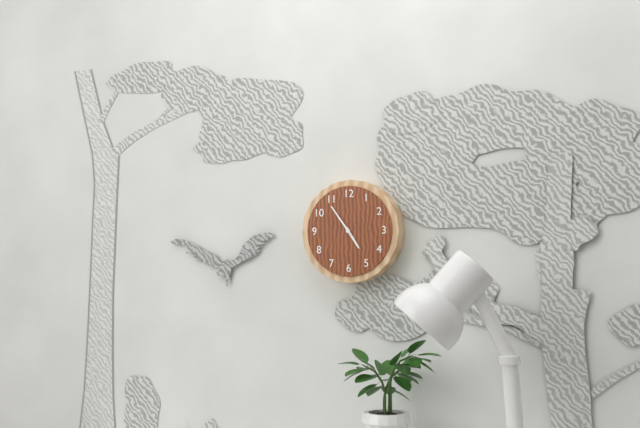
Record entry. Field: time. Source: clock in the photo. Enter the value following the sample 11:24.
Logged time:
4:54
